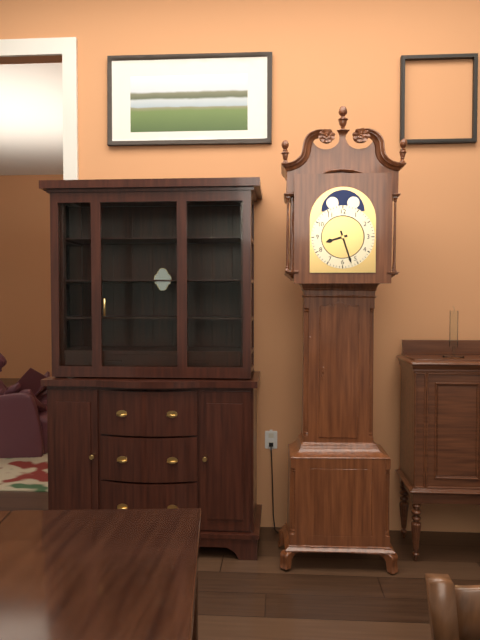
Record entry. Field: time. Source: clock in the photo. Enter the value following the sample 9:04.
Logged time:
8:27
